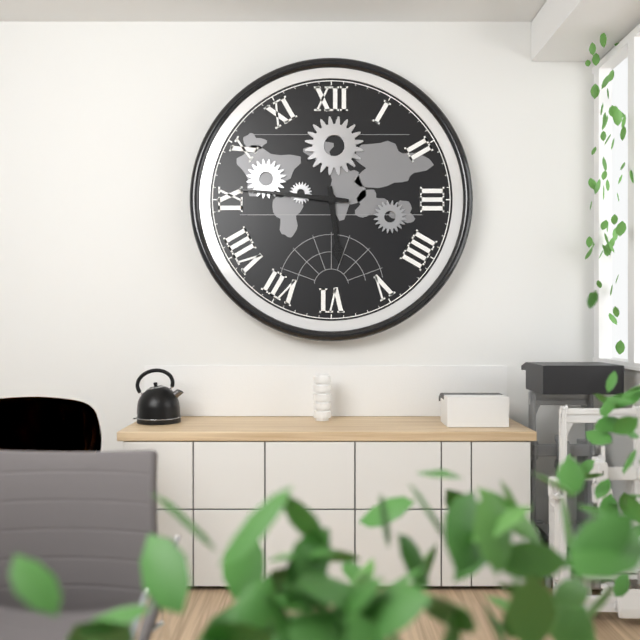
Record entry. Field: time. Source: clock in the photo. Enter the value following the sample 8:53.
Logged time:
5:46
